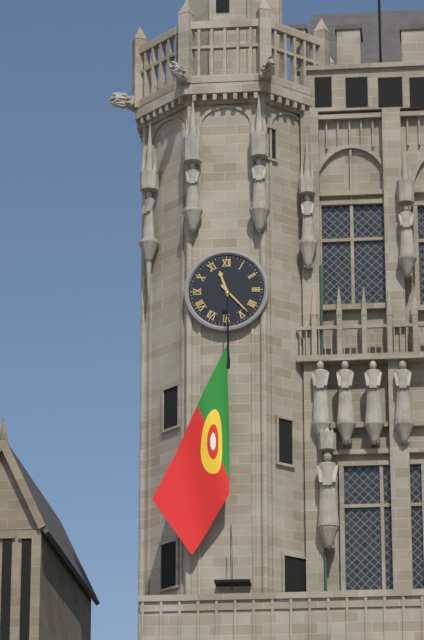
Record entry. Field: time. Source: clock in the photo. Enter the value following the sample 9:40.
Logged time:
11:23
